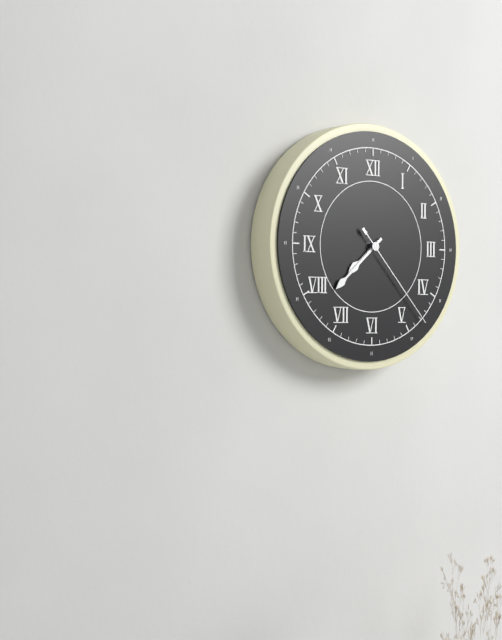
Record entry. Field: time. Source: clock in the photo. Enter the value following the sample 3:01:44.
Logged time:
7:38:23
